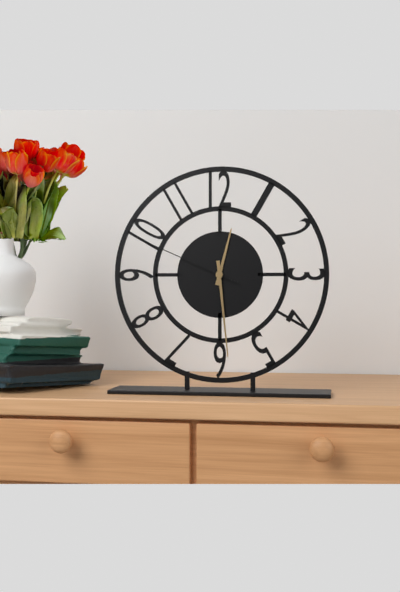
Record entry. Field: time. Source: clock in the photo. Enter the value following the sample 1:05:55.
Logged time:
12:29:49
